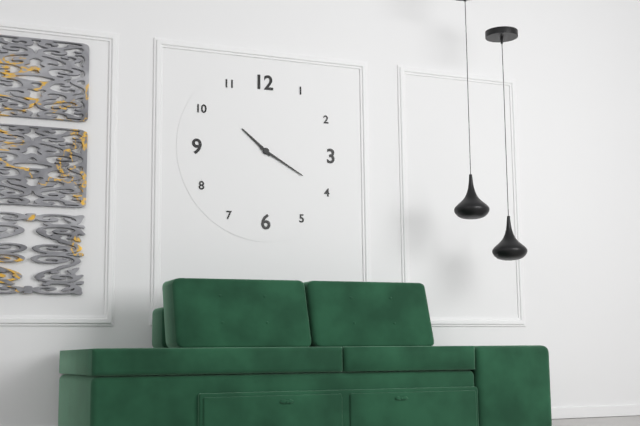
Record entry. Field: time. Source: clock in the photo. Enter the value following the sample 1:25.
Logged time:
10:20
